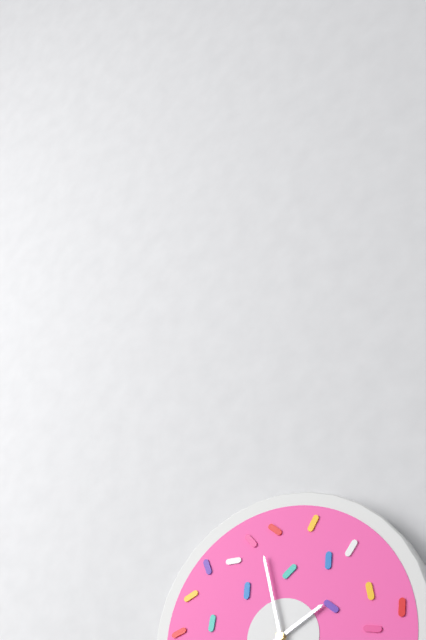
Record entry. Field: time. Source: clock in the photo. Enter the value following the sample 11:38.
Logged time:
1:58
